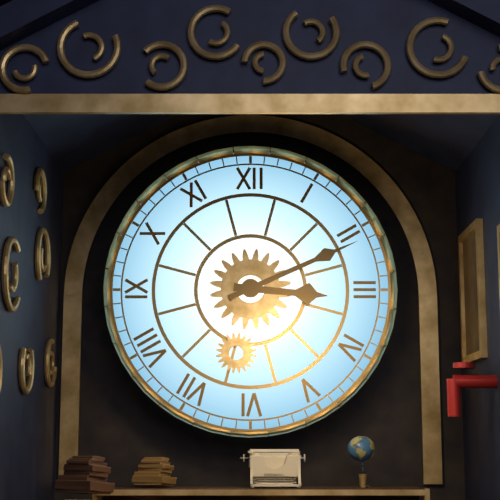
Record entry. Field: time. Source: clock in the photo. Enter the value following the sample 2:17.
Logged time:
3:11
